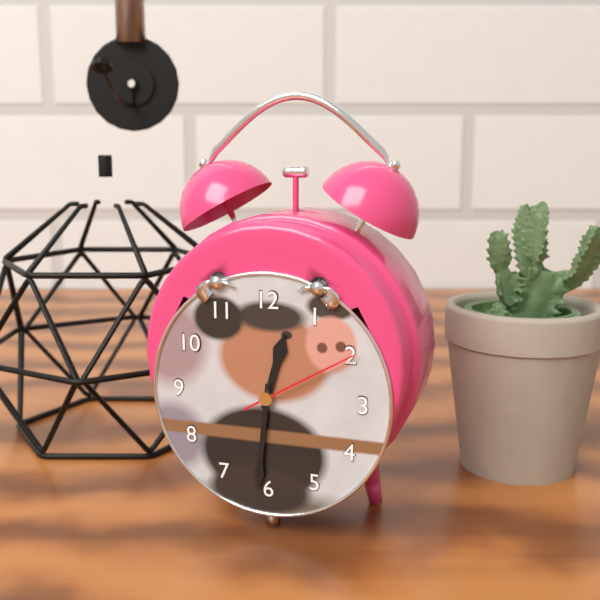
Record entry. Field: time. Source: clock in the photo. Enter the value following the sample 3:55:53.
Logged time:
12:31:10
